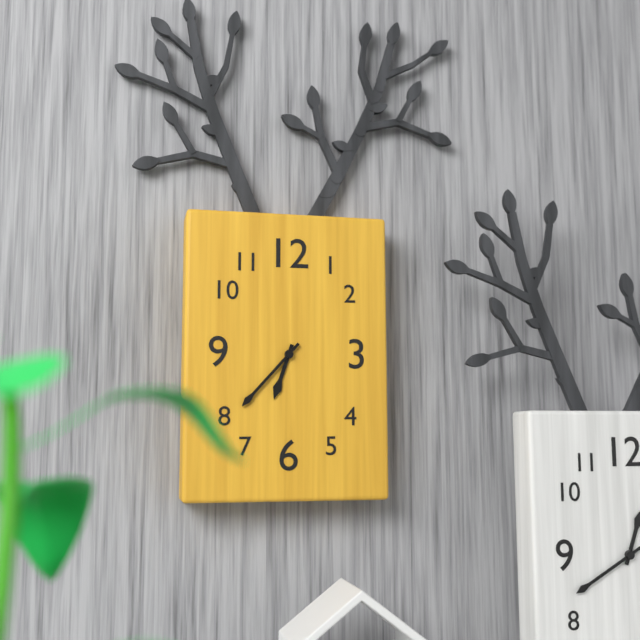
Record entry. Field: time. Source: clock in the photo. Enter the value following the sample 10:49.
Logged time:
6:37
